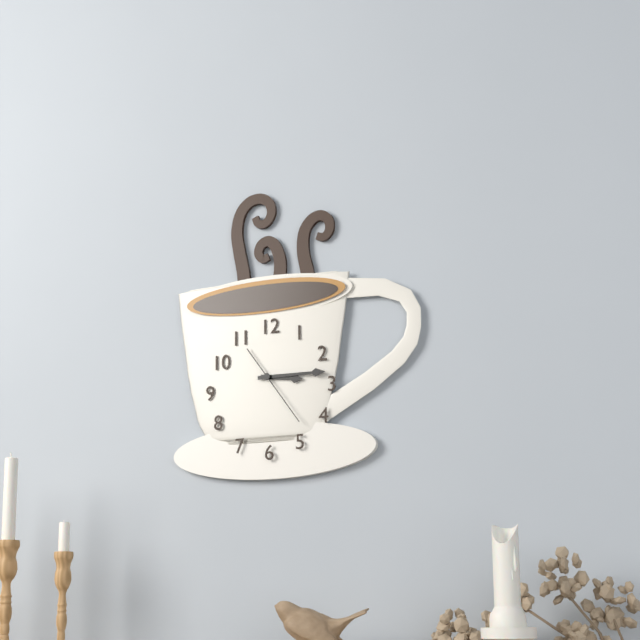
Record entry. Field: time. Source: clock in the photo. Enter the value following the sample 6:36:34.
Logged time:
3:15:24
